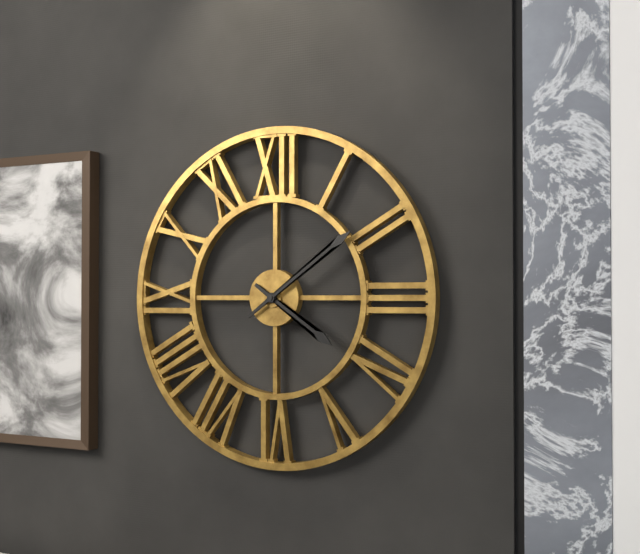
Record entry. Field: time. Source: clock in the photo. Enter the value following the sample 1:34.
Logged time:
4:09
